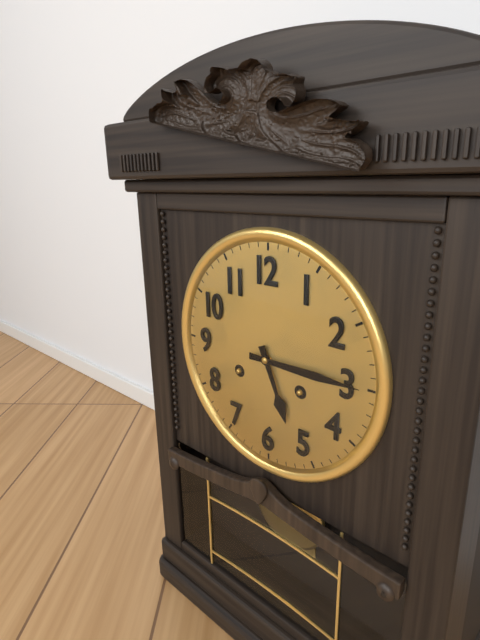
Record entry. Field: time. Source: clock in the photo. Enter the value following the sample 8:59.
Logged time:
5:15
